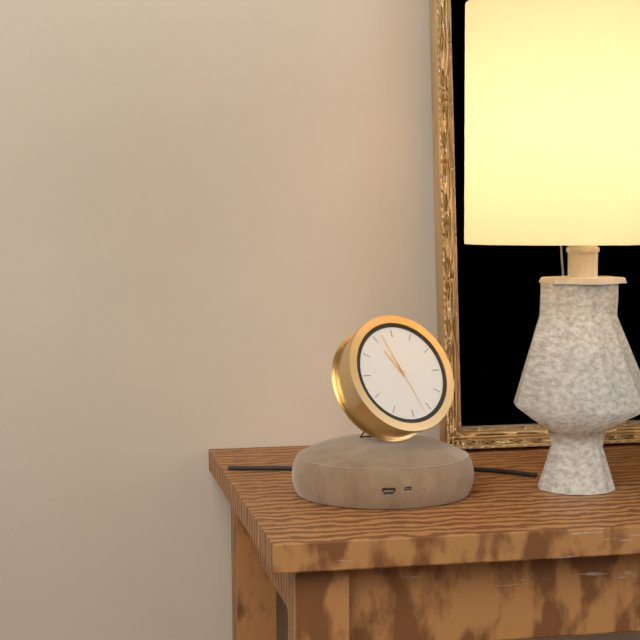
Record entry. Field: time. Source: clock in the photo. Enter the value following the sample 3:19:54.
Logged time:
10:57:27
